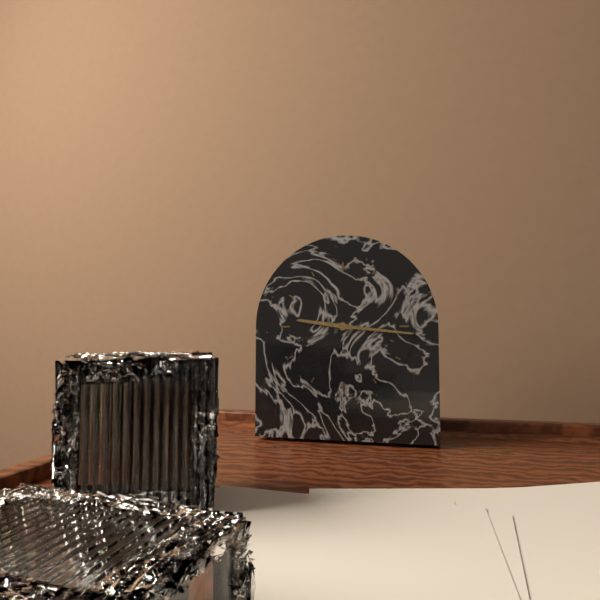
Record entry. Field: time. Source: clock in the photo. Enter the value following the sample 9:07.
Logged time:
9:16
